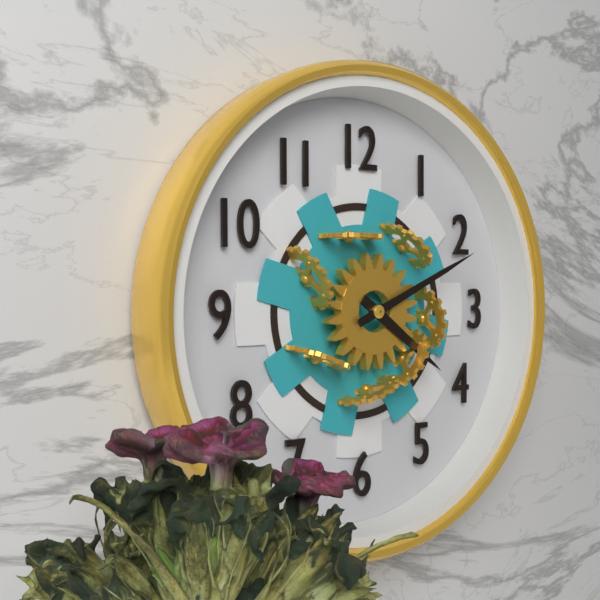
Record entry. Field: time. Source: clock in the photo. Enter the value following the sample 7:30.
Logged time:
4:11
